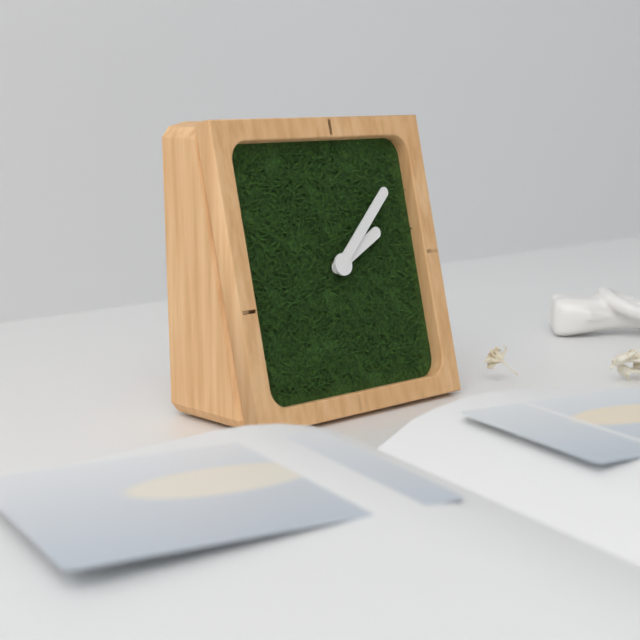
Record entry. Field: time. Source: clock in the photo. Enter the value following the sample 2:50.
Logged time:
2:08
